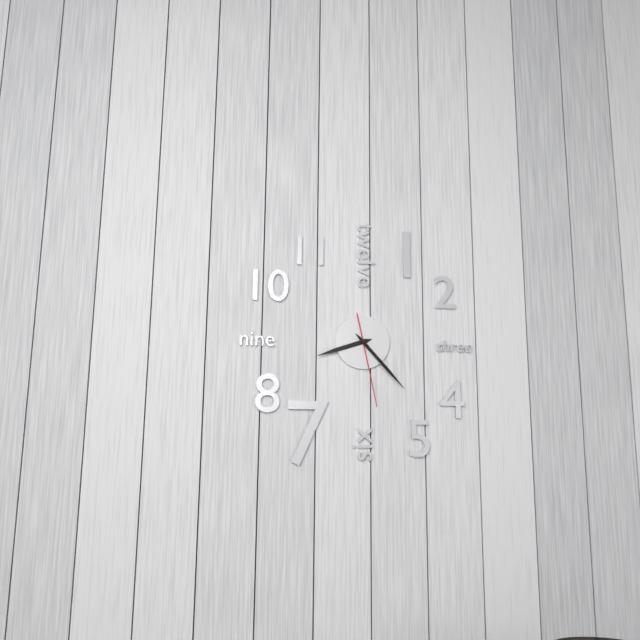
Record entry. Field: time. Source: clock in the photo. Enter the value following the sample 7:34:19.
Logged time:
8:23:28
